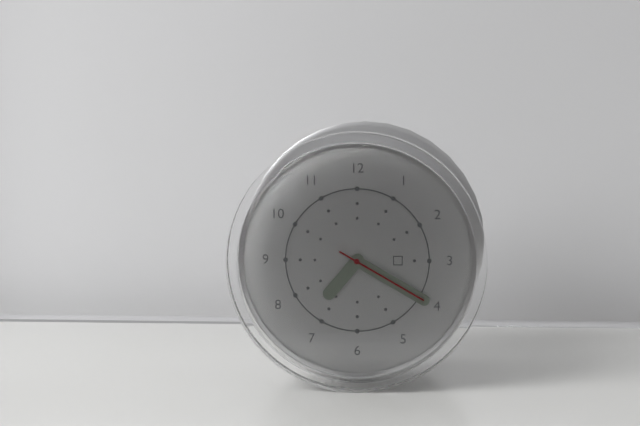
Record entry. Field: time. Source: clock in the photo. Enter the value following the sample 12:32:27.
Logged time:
7:20:20
